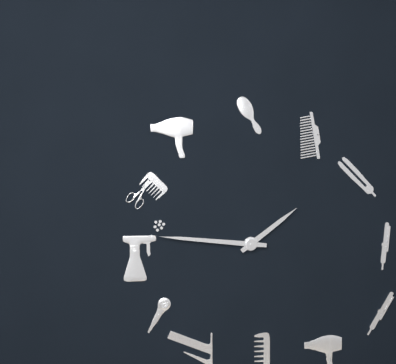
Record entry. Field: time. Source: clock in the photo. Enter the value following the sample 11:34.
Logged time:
1:46
